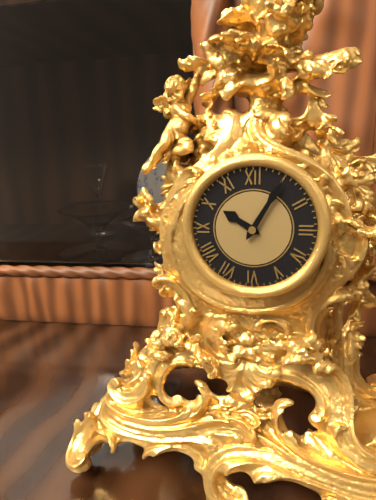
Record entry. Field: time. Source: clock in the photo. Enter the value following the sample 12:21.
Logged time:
10:05
